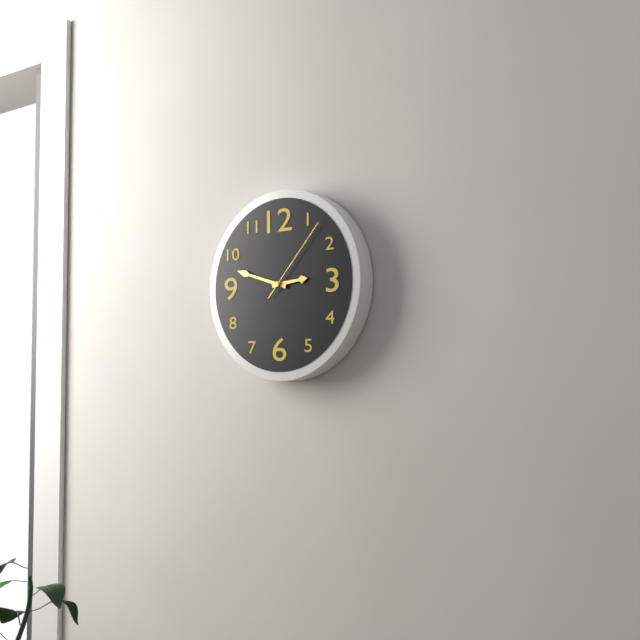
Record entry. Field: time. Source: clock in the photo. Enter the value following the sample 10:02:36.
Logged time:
2:48:07
